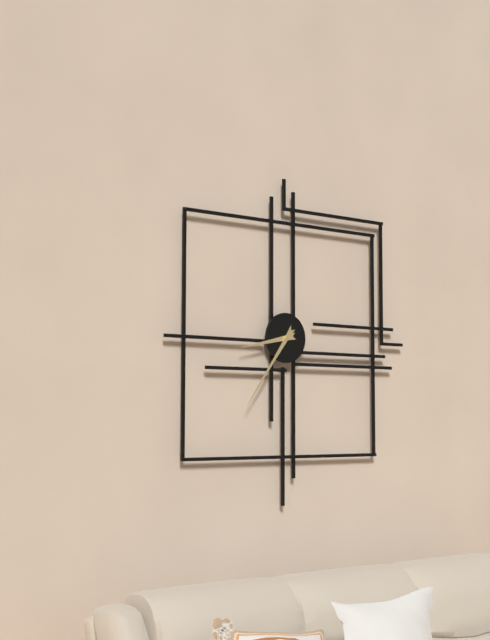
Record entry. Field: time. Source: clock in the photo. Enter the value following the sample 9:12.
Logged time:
8:36
